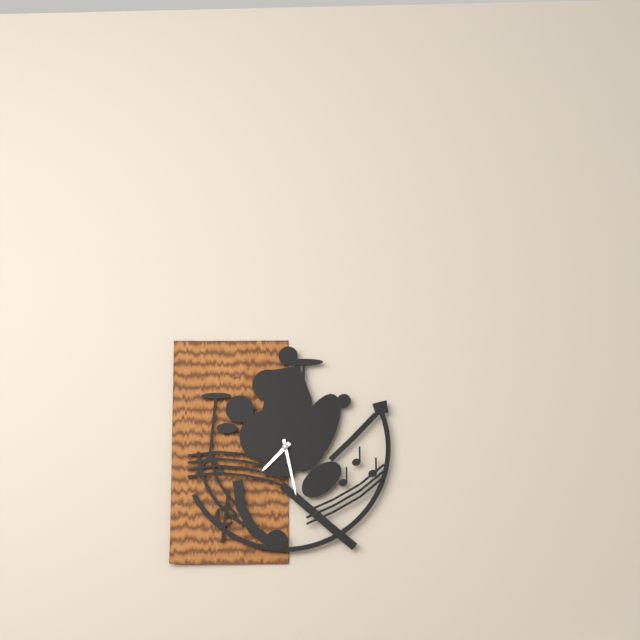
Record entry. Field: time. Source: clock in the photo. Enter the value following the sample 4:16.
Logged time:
7:28
